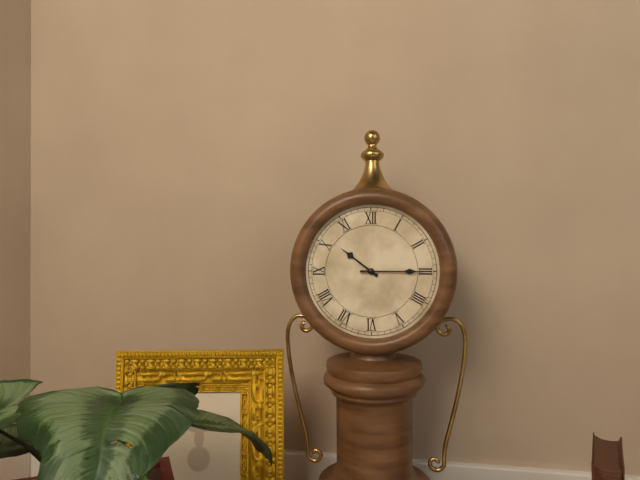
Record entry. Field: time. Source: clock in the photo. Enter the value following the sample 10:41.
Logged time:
10:15
